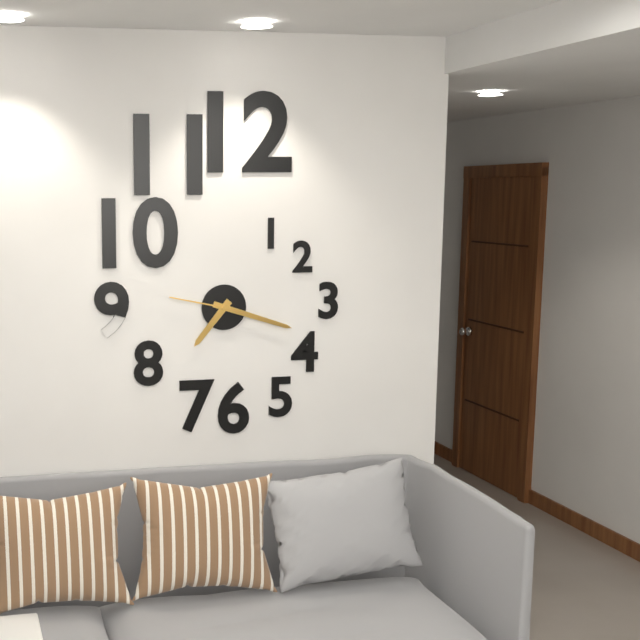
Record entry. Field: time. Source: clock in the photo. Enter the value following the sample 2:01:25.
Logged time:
7:18:47
